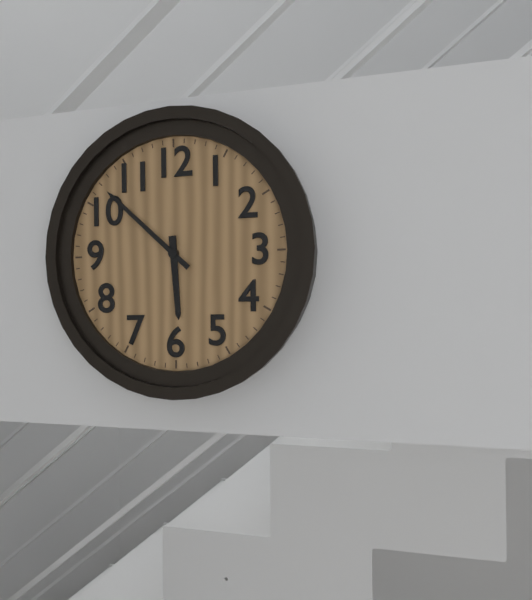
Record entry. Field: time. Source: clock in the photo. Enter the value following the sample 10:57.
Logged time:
5:52
